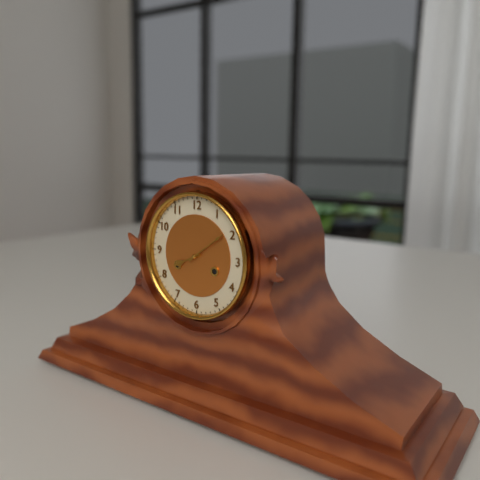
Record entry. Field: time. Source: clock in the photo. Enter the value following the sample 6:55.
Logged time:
8:09
